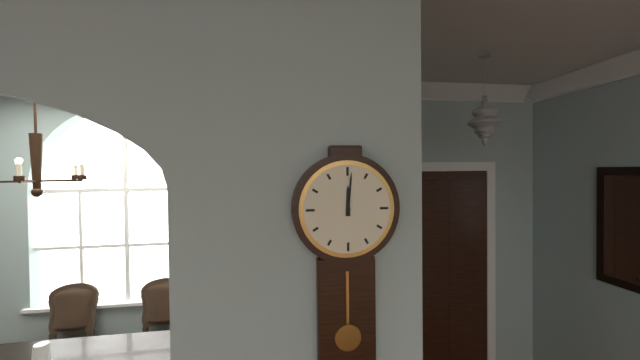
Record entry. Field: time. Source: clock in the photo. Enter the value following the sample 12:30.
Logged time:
12:01
